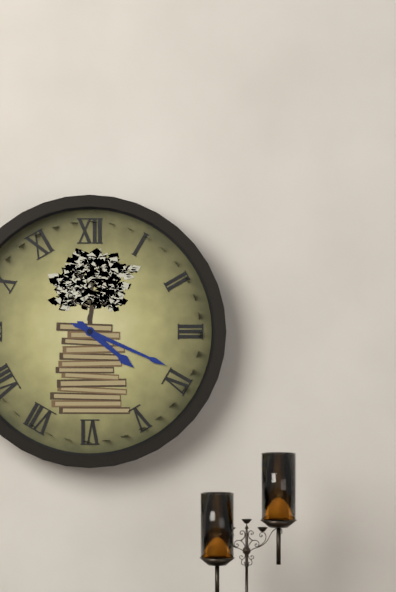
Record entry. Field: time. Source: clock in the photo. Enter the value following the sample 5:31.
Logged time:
4:19
